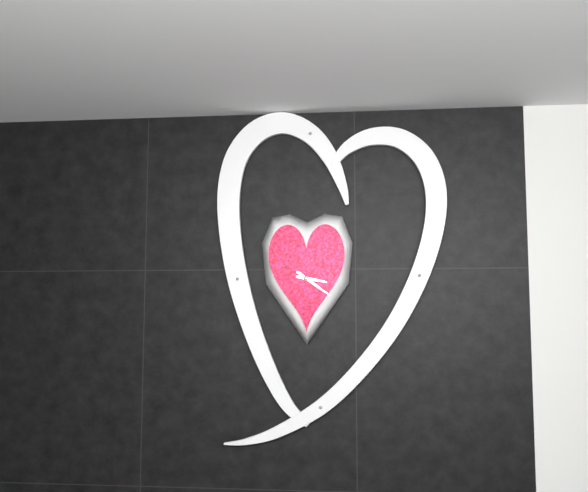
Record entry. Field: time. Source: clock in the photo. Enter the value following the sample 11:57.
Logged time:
3:21
